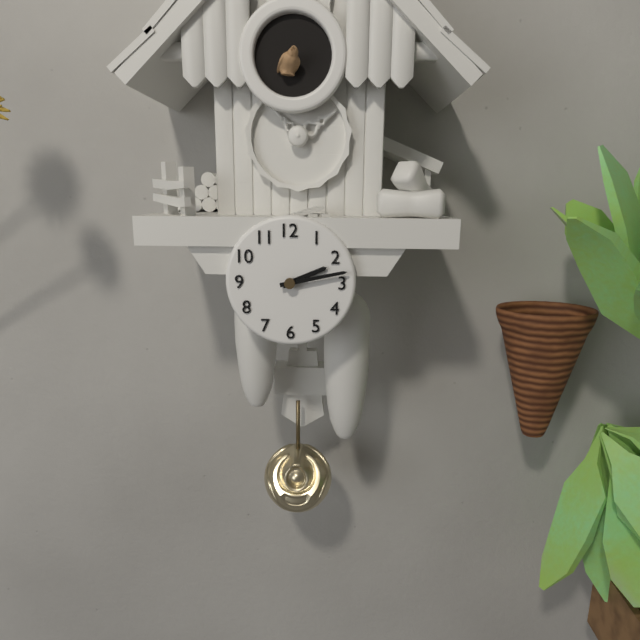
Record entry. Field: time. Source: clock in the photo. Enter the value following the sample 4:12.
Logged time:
2:13
